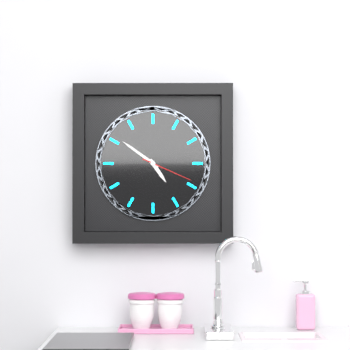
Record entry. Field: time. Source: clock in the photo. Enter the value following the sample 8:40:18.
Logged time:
4:51:19
